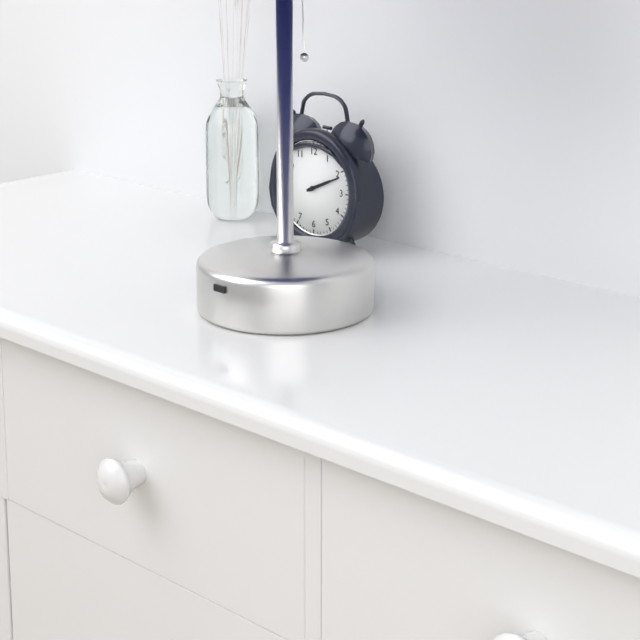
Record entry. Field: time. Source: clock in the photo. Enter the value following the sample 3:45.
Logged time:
2:11
